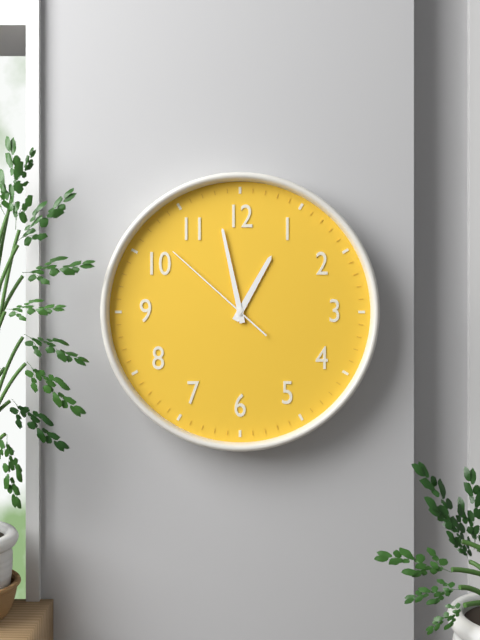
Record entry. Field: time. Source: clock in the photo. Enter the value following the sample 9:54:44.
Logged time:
12:58:52
